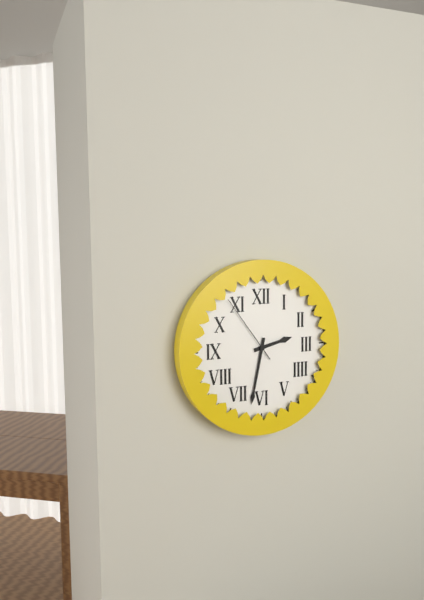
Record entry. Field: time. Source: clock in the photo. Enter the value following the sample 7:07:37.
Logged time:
2:32:54
